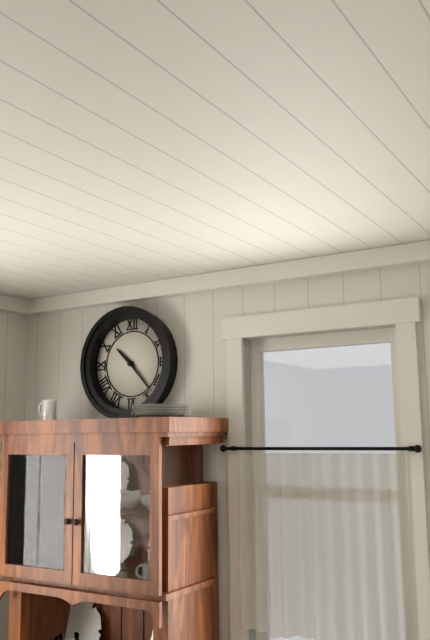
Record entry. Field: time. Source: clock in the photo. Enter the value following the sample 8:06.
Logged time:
10:23
